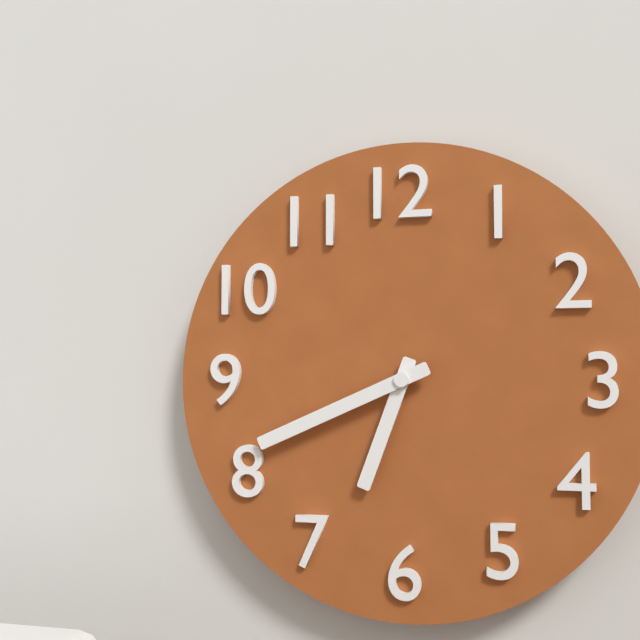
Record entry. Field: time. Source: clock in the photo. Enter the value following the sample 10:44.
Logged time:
6:41
